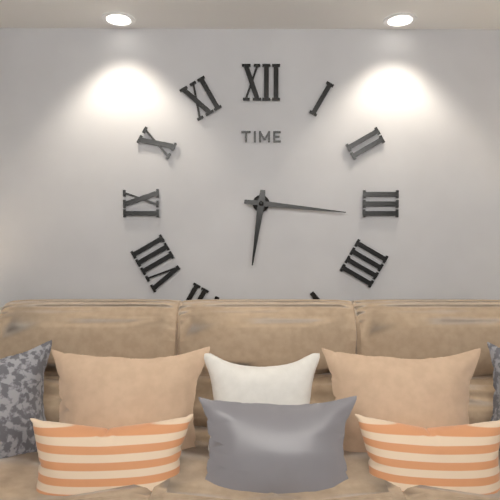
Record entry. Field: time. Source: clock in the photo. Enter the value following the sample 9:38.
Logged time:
6:16
